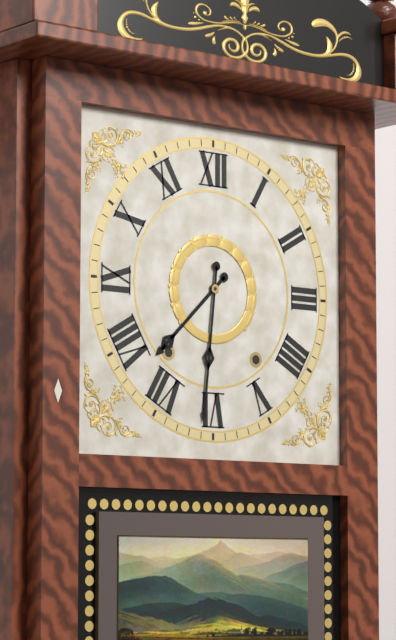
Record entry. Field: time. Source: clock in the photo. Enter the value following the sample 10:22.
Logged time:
7:31
